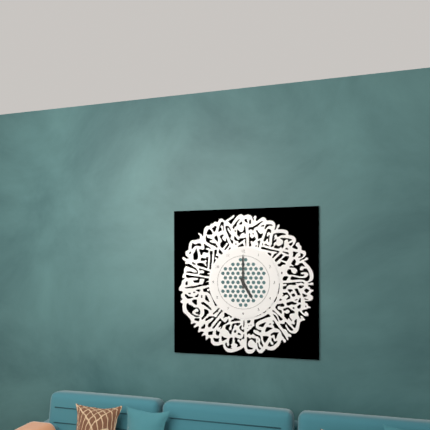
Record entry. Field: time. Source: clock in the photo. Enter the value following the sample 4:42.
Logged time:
5:00
